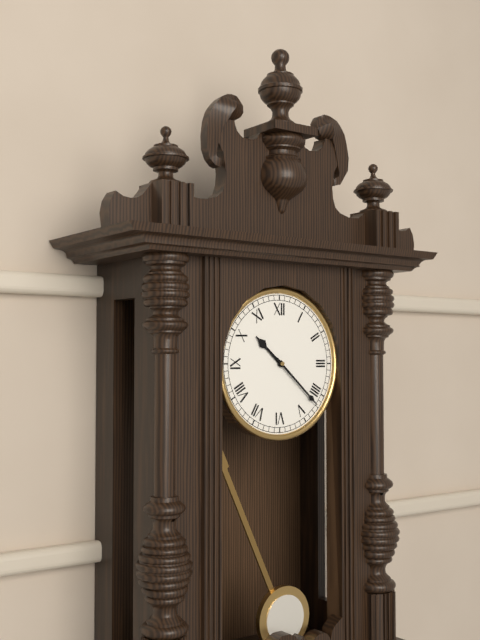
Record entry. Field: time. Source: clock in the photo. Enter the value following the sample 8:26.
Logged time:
10:22
